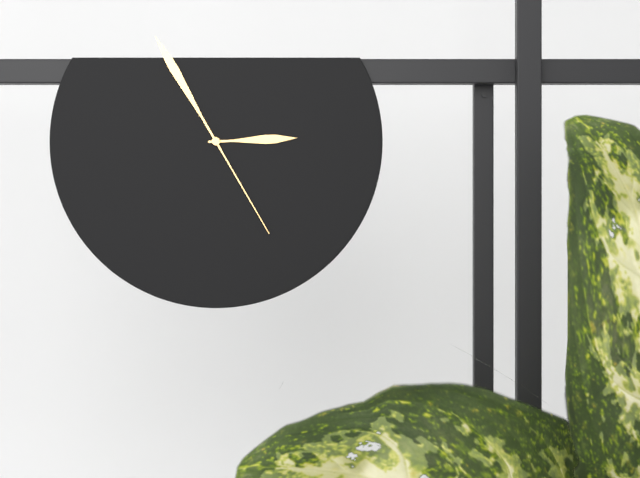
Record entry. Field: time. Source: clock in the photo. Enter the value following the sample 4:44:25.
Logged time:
2:55:25
